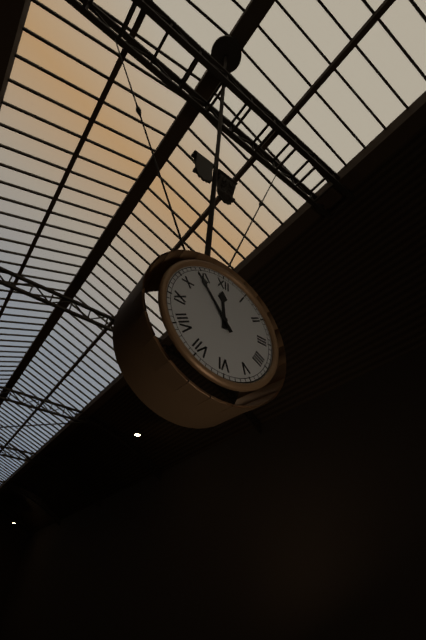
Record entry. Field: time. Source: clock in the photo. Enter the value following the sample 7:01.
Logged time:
11:54
